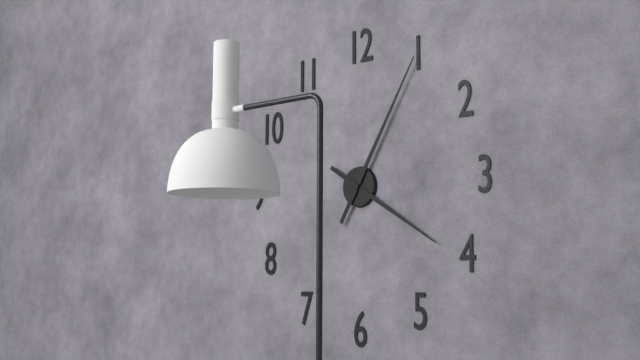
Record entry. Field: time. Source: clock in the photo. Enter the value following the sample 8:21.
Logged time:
4:05
